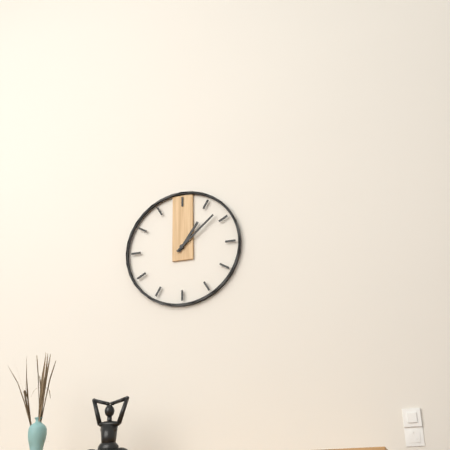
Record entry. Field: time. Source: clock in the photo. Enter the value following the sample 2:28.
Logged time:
1:08
